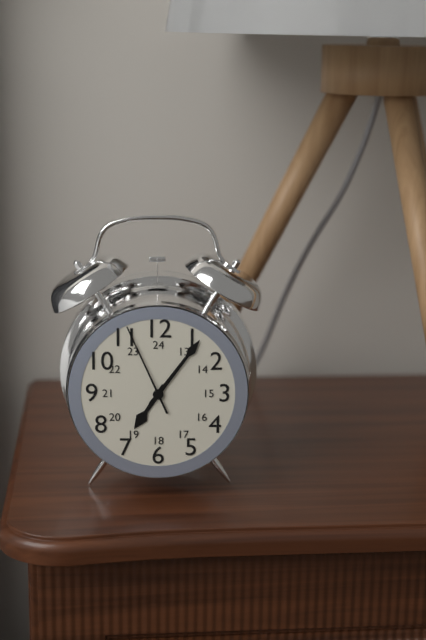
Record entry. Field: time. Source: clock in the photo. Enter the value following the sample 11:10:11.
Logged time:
7:06:56
